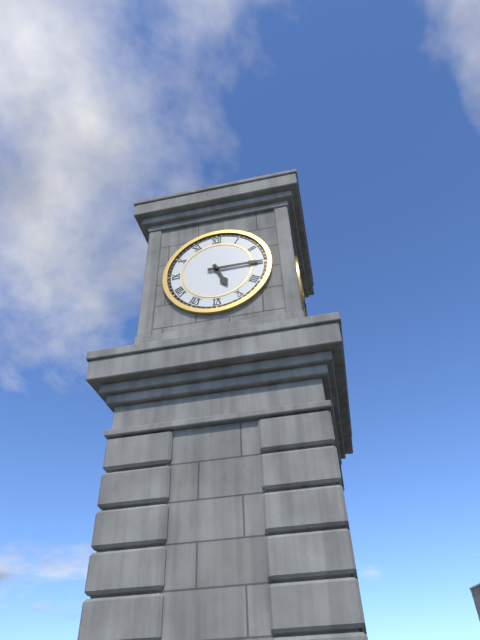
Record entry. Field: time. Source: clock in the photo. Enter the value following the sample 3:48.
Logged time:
5:15
